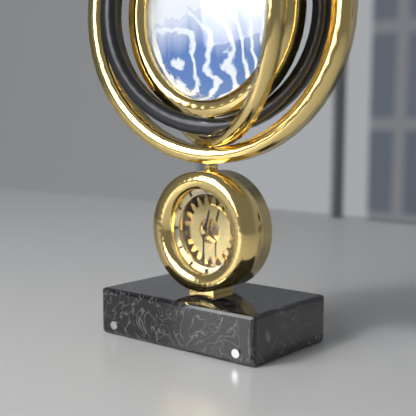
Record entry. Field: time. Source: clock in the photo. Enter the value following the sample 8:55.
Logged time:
12:30
